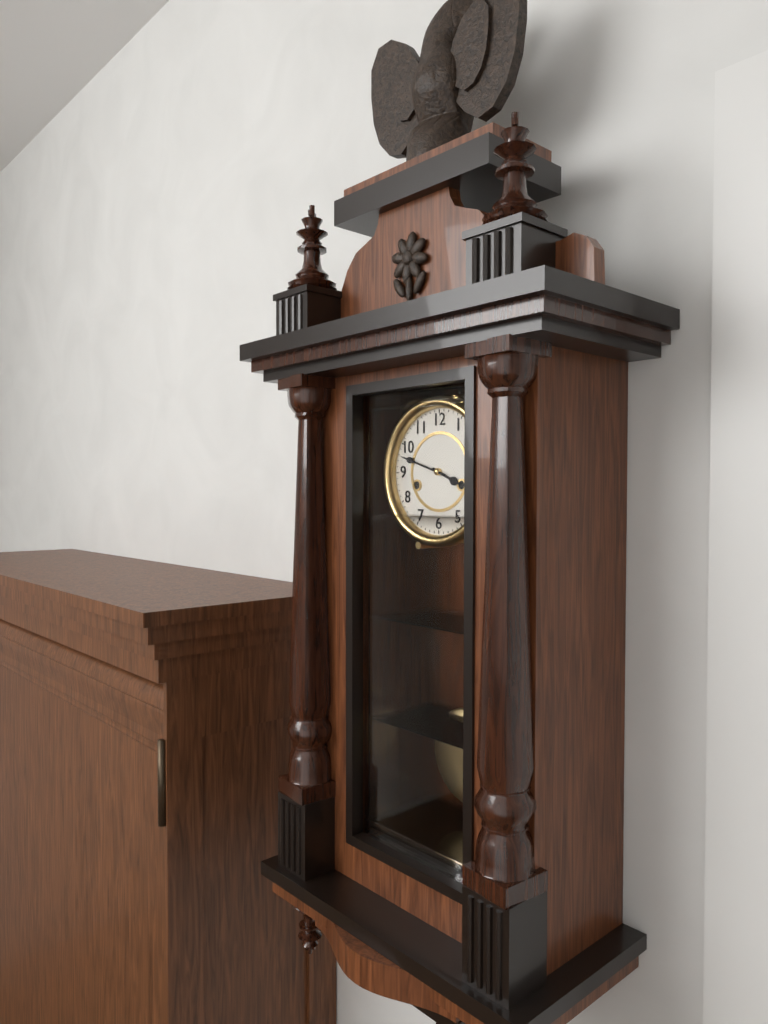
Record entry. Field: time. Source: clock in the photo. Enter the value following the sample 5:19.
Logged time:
3:48
